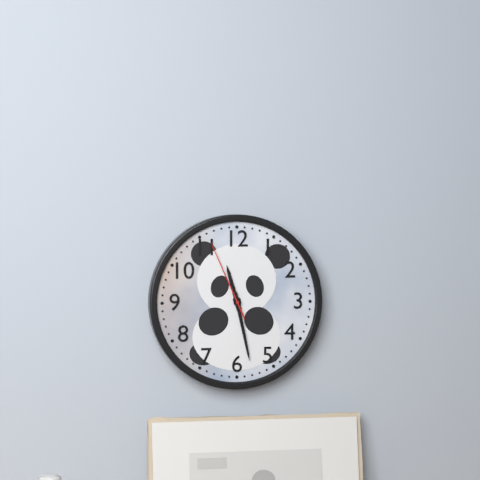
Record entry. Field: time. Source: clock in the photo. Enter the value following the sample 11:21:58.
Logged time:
11:28:56
